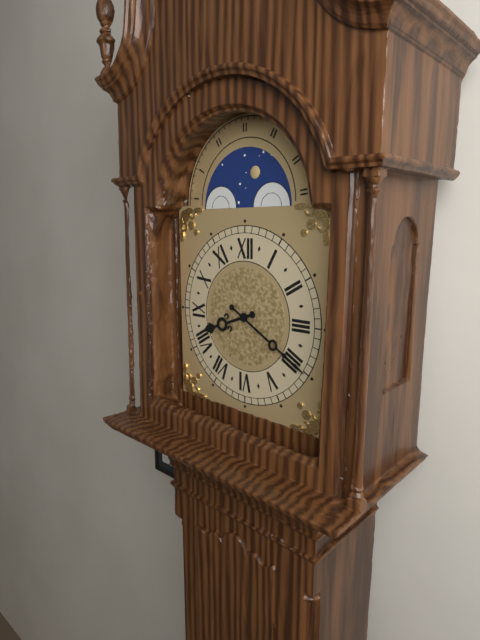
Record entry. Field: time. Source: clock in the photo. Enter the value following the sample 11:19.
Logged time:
8:20
